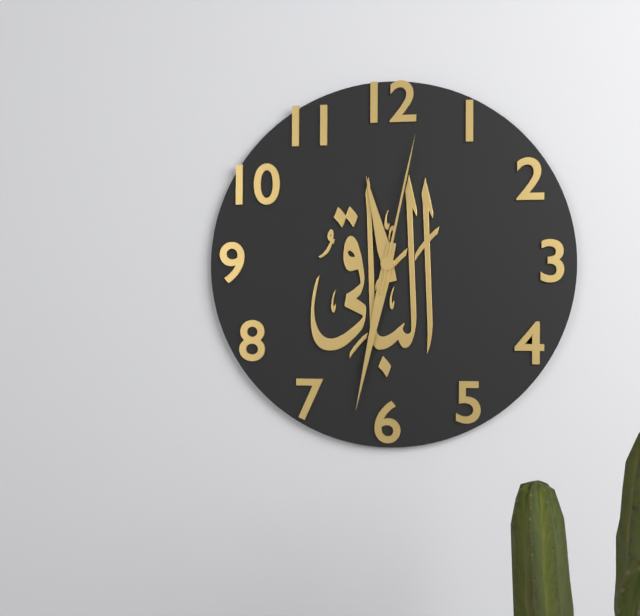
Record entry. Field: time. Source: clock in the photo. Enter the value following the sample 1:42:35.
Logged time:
11:32:02
